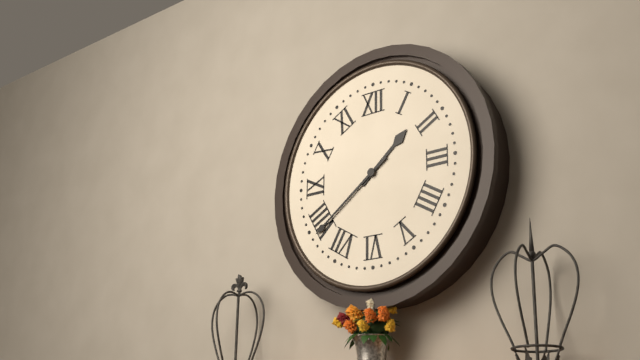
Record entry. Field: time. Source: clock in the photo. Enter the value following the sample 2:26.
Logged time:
1:39
